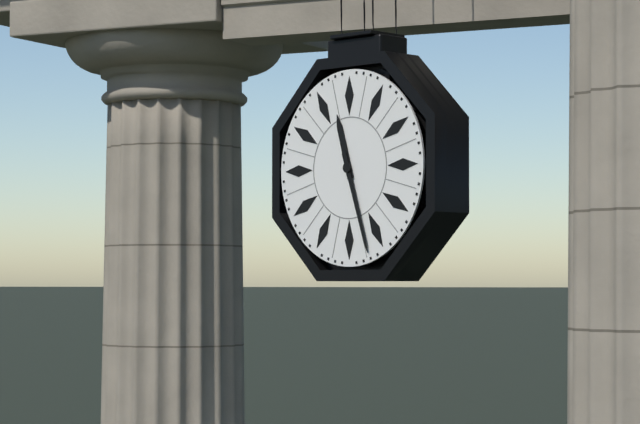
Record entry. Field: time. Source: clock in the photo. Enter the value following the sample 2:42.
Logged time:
11:27
